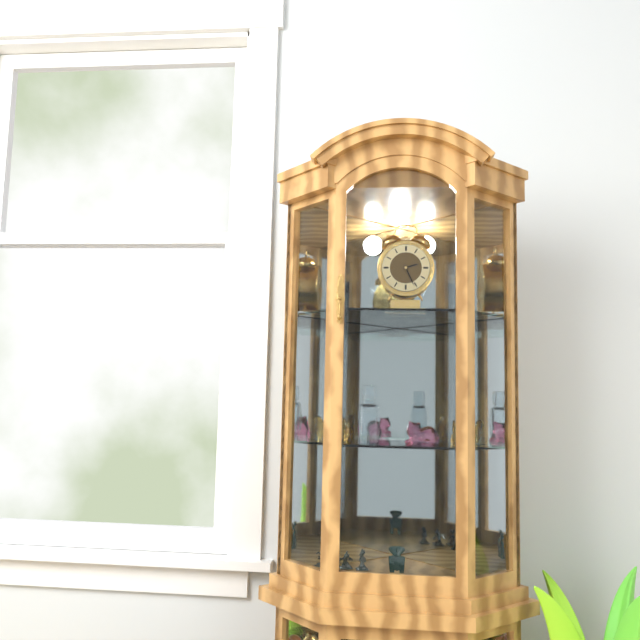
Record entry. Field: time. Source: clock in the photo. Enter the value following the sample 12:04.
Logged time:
2:26
